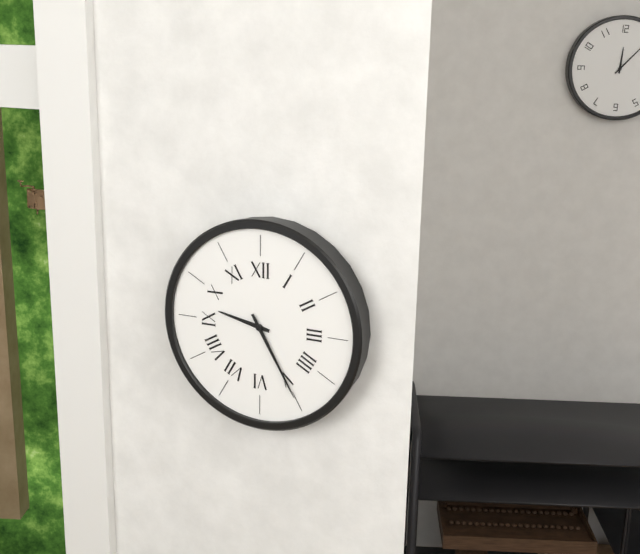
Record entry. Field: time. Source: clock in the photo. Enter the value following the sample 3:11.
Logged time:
9:25
